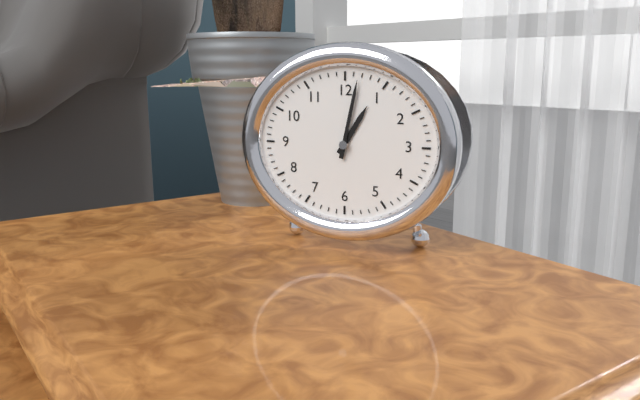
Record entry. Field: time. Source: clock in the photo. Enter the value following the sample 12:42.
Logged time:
1:02
